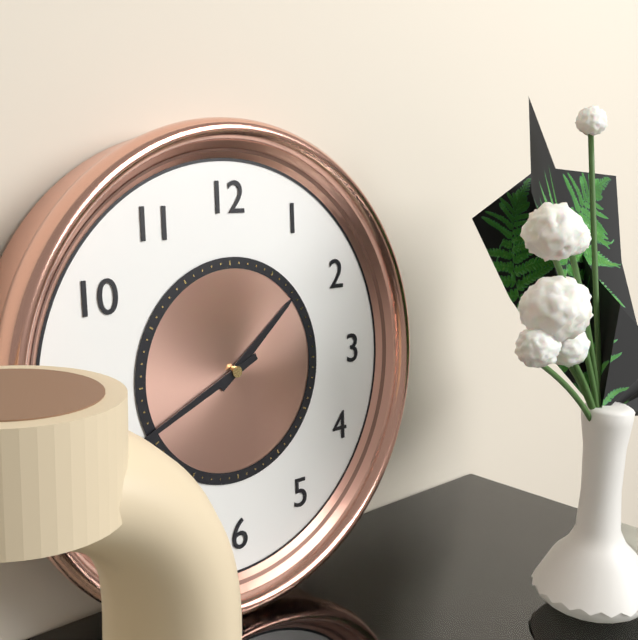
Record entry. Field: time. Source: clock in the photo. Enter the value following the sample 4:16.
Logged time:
1:41
